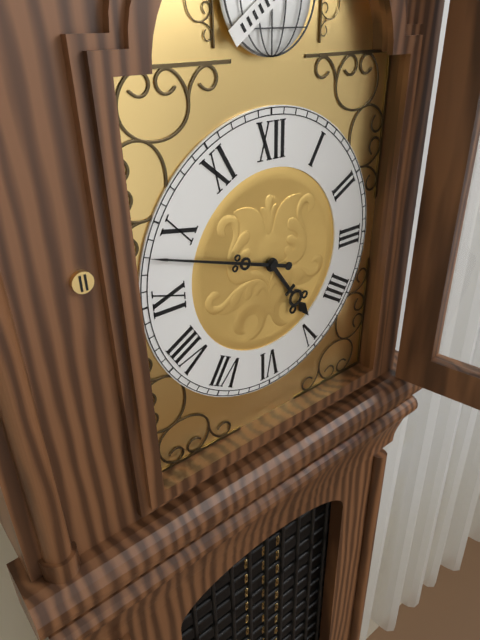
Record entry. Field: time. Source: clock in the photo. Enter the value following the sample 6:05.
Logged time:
4:48
